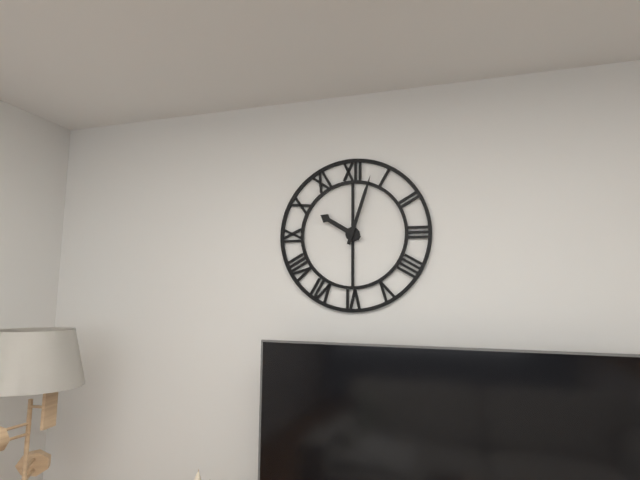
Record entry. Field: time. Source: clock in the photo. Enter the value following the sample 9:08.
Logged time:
10:03
